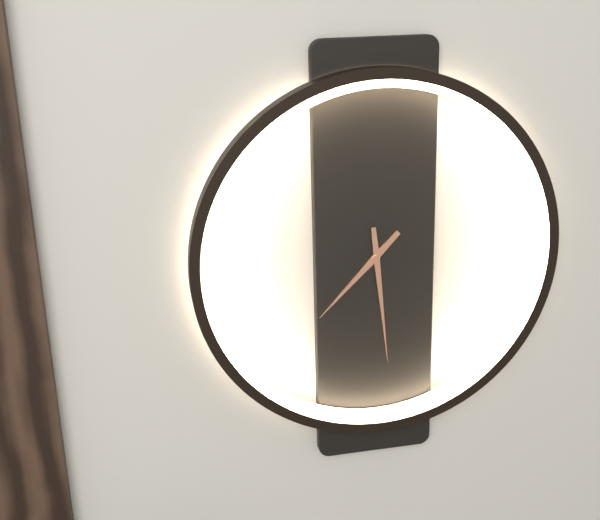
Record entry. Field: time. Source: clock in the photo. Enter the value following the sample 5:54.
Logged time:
7:29
